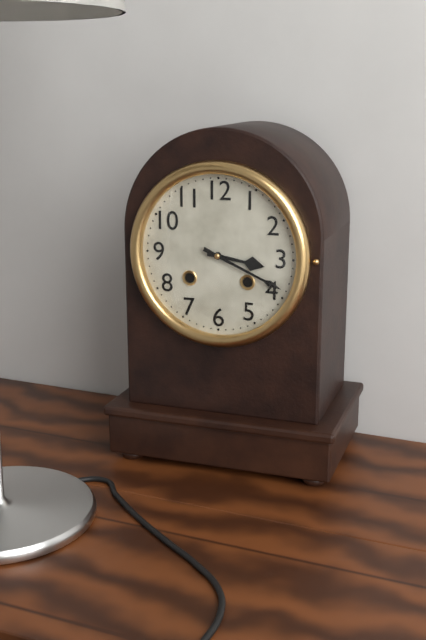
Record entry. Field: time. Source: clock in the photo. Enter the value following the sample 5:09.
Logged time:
3:19
